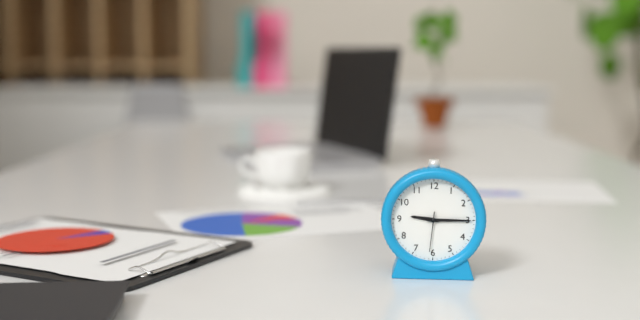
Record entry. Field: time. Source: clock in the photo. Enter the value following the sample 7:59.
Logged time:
9:15
